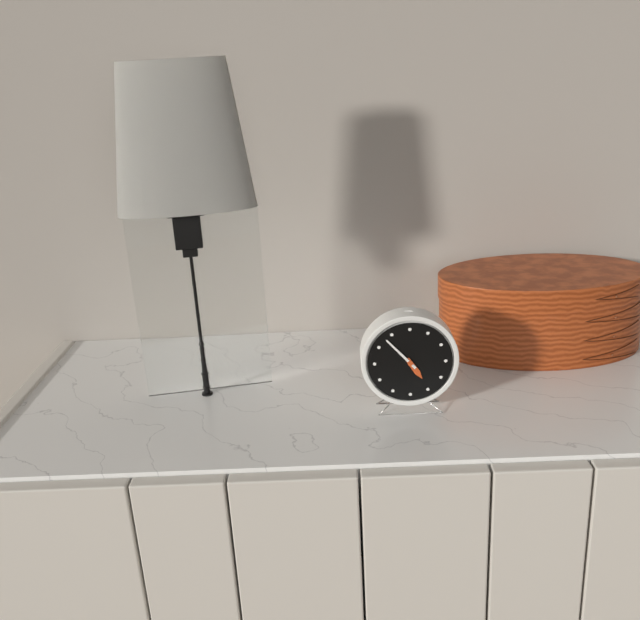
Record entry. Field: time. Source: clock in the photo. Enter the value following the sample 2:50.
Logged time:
4:53
